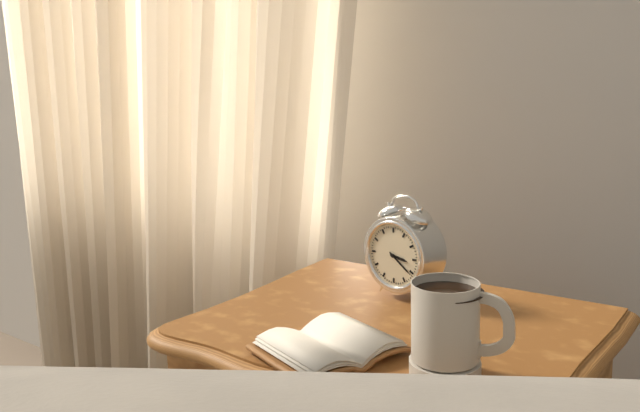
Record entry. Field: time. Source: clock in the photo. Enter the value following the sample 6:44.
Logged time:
3:21
